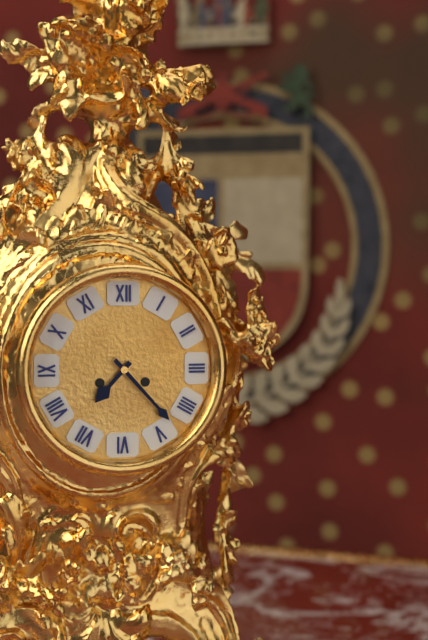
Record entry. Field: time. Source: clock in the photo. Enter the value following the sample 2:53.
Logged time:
7:23
